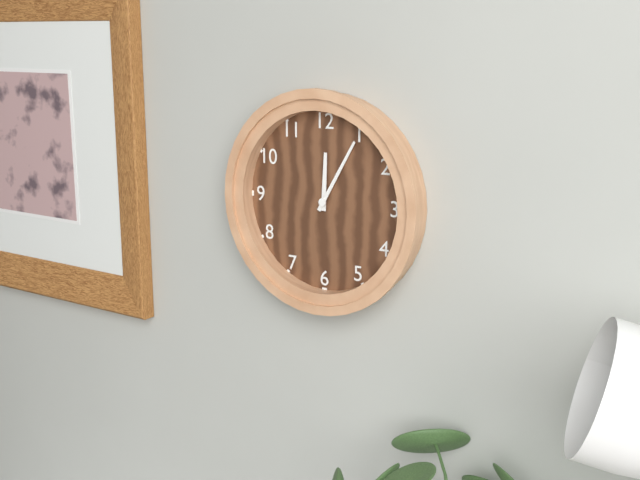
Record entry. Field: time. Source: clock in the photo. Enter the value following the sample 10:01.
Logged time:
12:05
